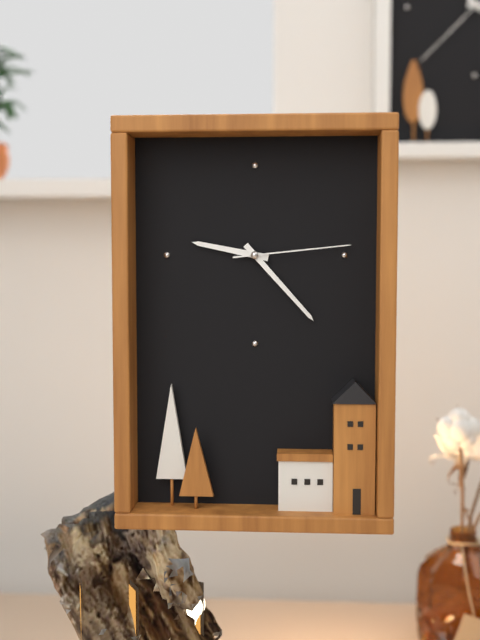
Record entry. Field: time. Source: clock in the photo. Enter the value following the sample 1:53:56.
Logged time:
9:23:14
